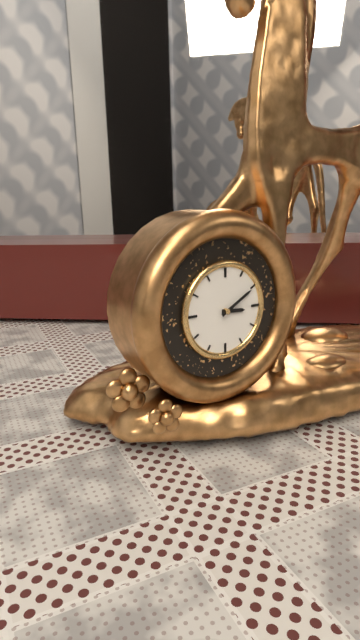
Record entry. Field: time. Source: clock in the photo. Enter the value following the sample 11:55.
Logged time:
3:10
